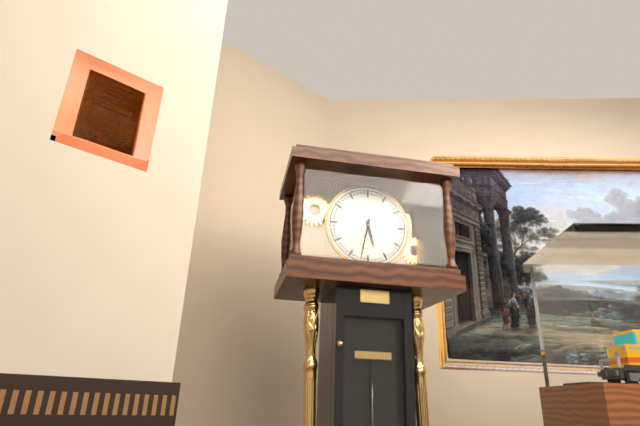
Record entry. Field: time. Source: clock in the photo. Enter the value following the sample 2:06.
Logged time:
5:32
